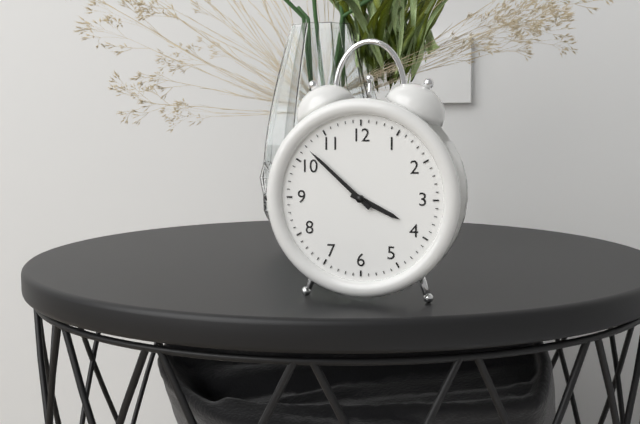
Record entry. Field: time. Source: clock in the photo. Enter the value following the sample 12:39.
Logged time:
3:52
